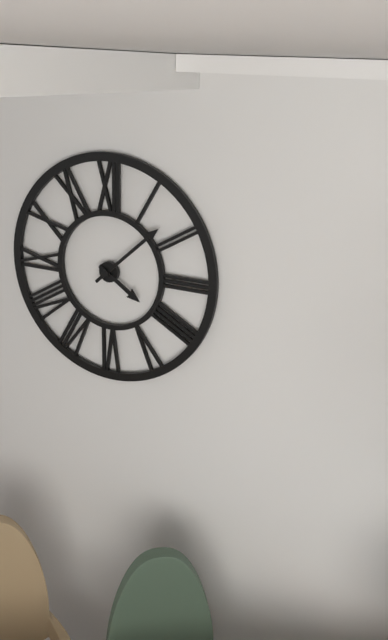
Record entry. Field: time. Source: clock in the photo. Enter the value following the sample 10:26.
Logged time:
4:08
